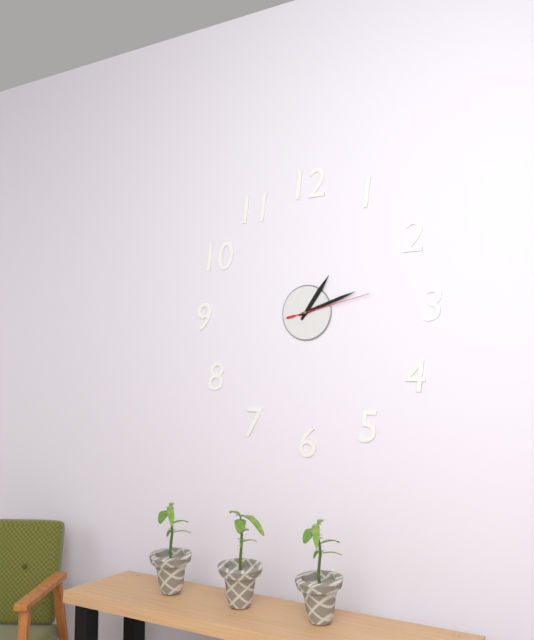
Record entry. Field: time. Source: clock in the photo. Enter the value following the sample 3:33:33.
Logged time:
1:12:13
